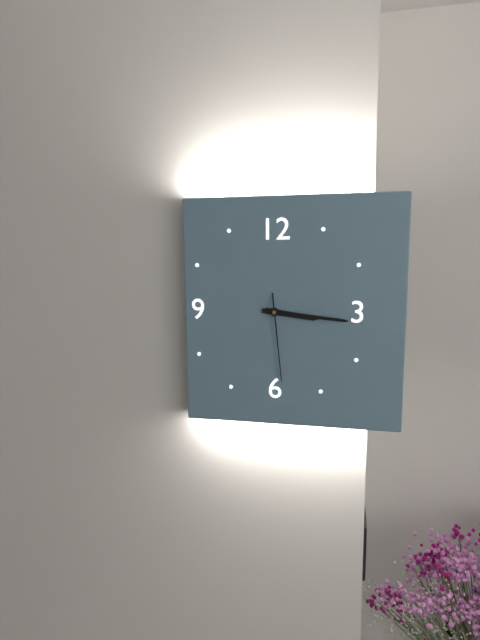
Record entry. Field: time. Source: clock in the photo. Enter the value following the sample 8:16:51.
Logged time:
3:16:29
